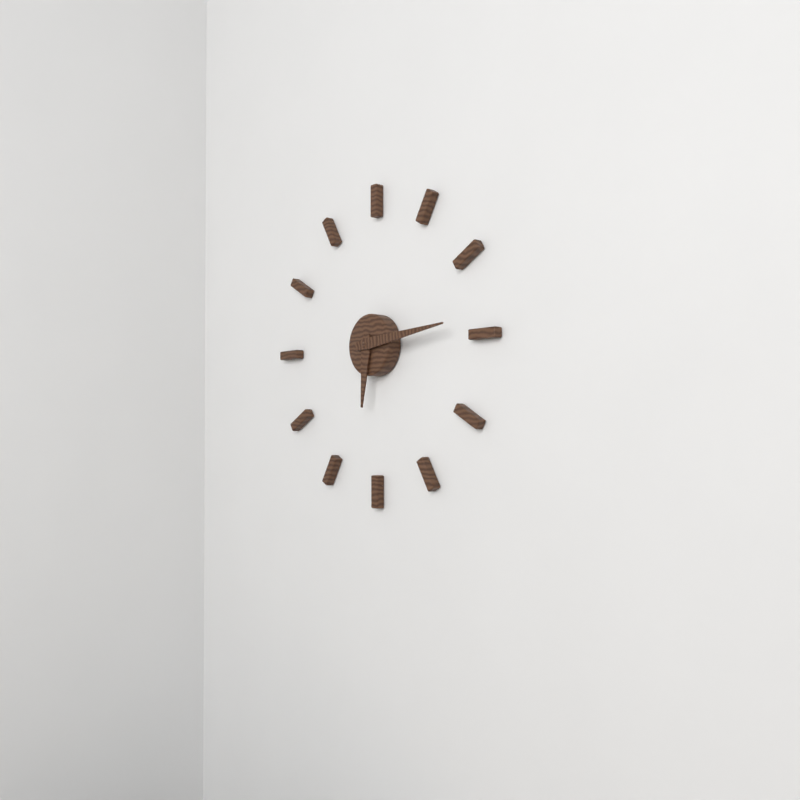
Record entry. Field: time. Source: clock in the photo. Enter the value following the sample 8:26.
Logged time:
6:14
